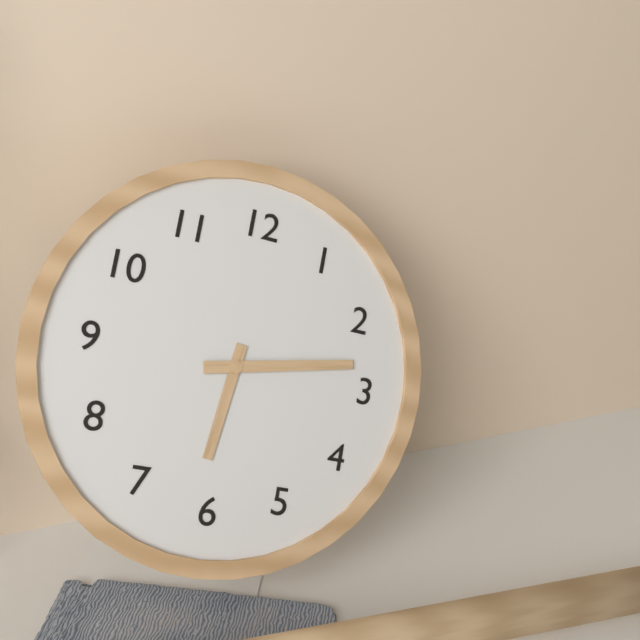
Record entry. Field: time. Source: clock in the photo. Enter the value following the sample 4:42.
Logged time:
6:13
